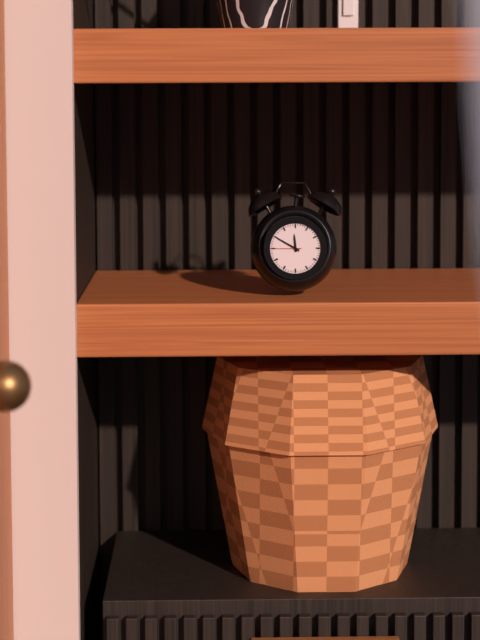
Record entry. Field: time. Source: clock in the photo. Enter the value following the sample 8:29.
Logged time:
11:50
